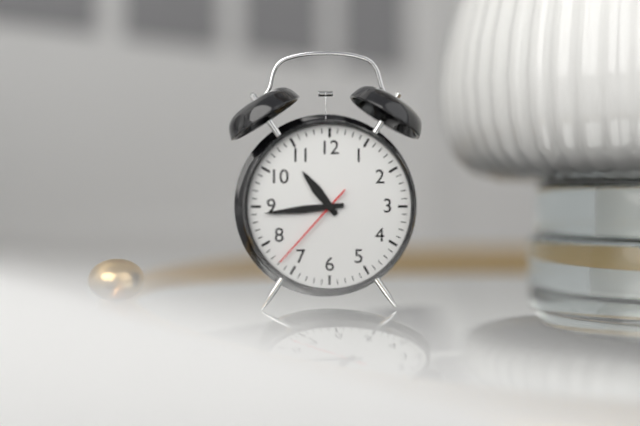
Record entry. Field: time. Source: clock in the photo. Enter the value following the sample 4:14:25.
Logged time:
10:44:37
